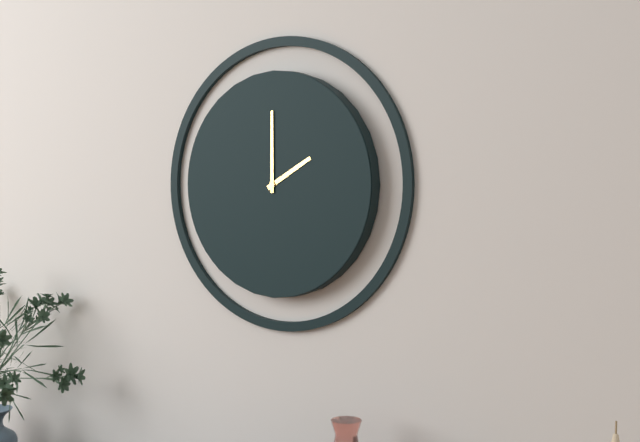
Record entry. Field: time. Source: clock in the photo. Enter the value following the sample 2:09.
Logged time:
2:00
